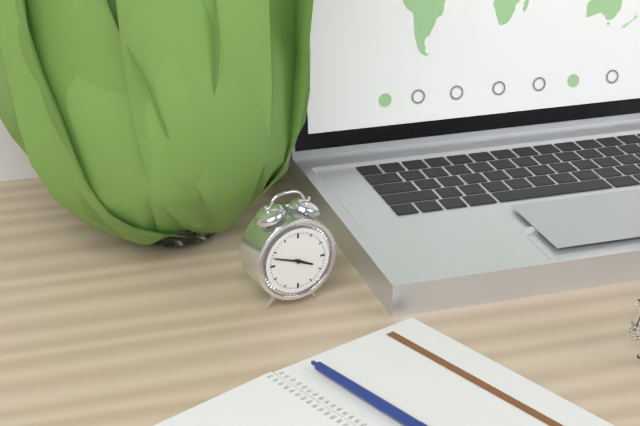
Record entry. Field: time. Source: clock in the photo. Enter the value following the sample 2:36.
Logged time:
3:48
